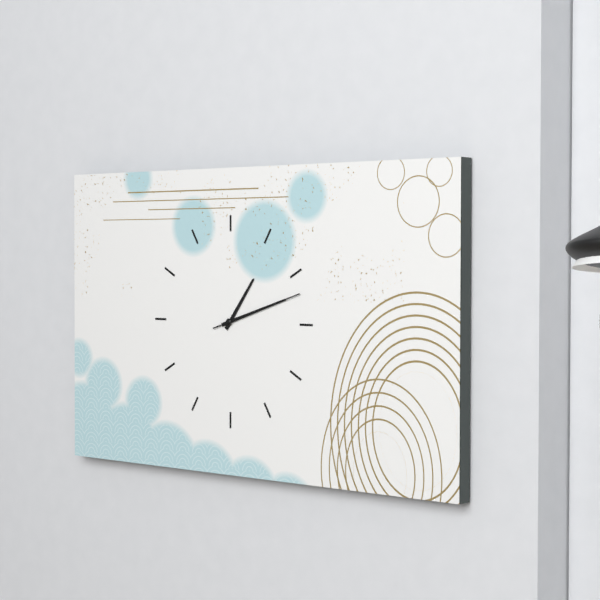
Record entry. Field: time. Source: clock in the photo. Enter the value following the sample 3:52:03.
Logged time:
1:12:12
